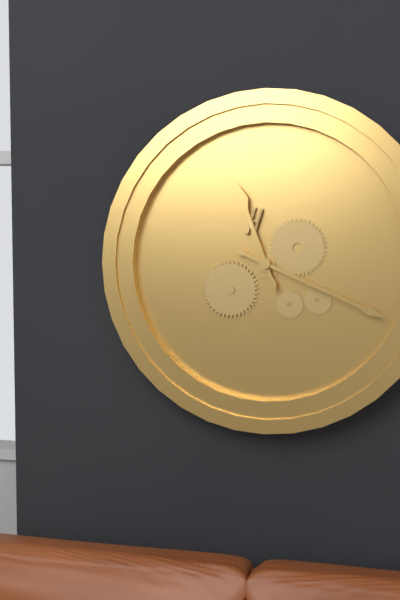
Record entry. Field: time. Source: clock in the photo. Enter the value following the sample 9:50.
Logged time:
11:19
